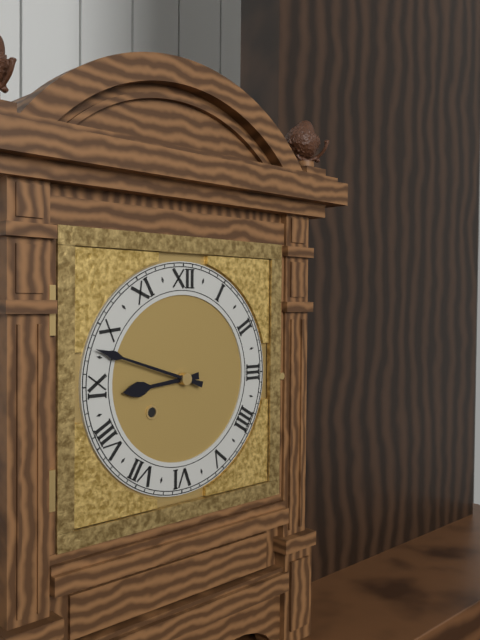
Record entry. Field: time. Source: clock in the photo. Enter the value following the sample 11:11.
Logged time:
8:48
